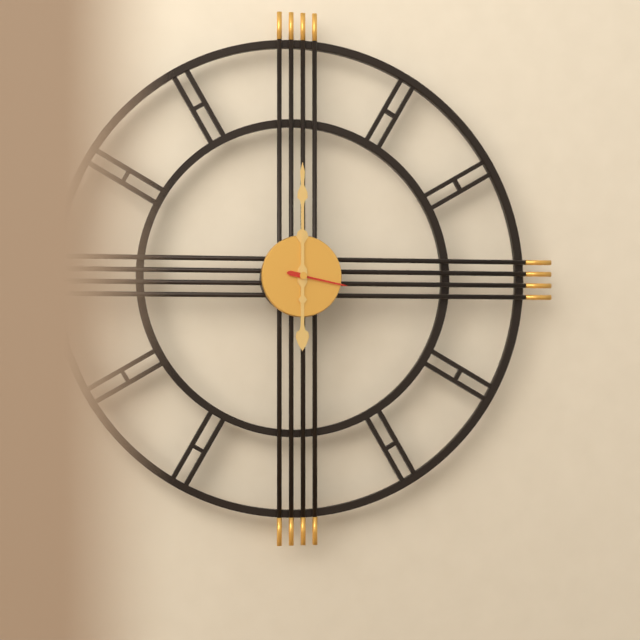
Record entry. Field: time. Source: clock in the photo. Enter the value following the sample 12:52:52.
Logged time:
6:00:17
